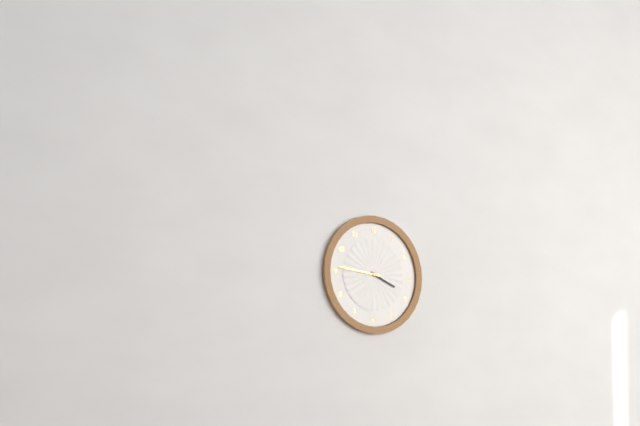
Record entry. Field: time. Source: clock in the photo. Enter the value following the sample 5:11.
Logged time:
3:46
